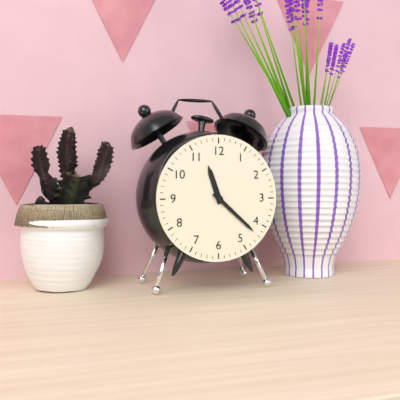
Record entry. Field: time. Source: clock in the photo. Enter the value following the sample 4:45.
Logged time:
11:22
